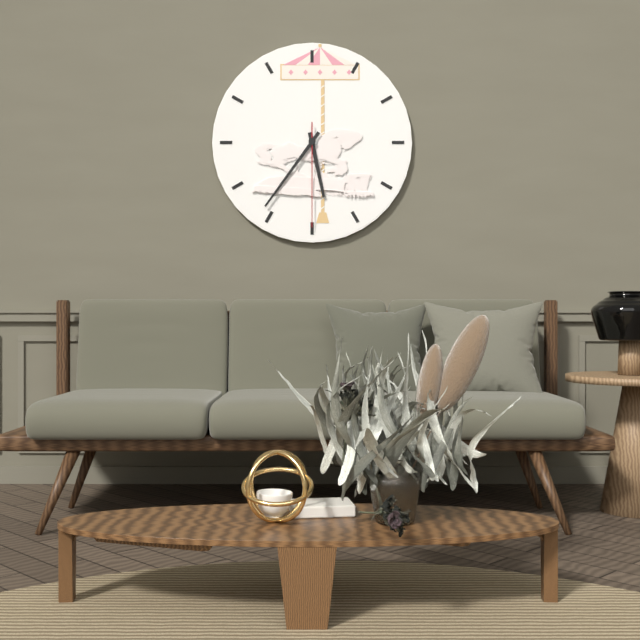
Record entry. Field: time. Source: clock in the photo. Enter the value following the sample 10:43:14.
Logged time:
5:36:30
